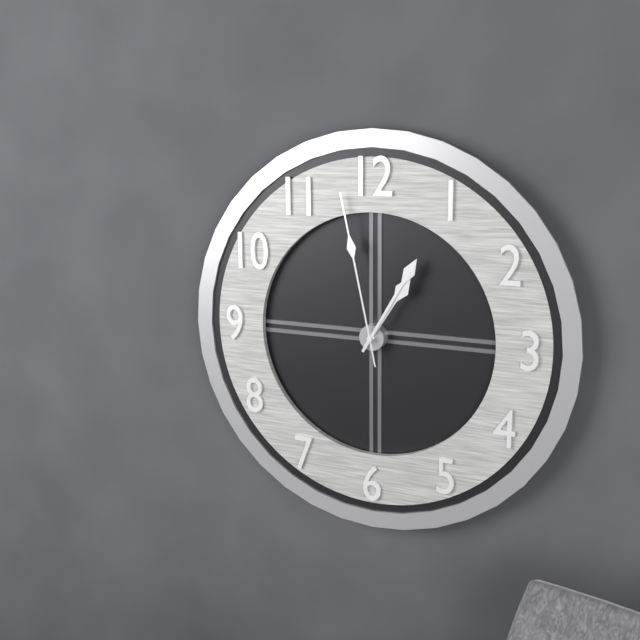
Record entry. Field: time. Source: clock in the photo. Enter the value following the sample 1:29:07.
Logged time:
1:05:58
